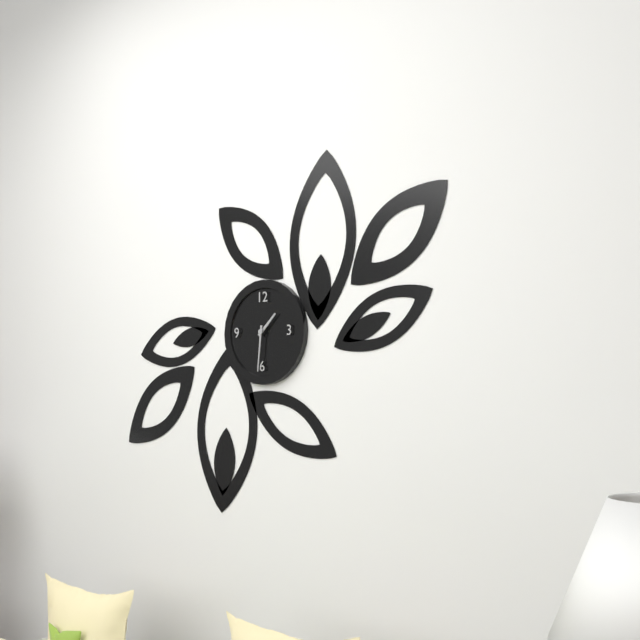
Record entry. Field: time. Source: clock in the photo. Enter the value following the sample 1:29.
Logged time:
1:31
